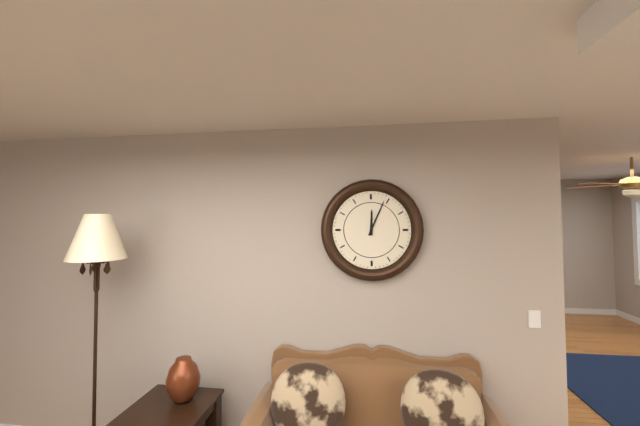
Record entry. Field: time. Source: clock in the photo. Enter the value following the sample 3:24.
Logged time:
12:04
